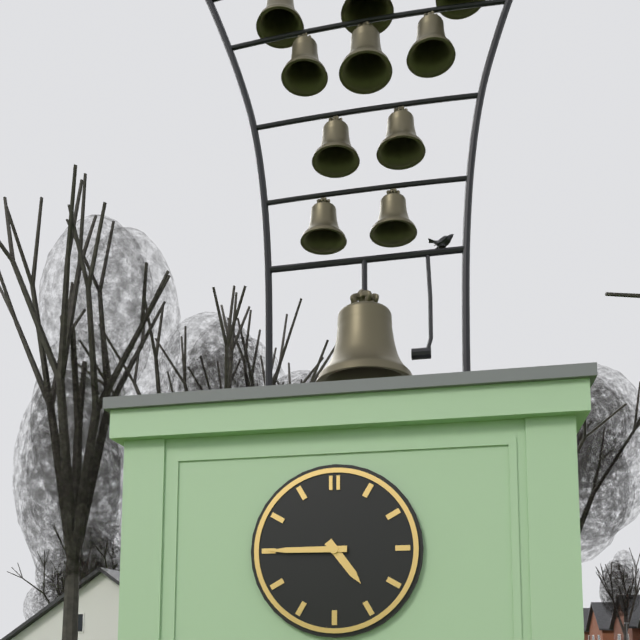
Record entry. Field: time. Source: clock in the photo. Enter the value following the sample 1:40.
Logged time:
4:45
